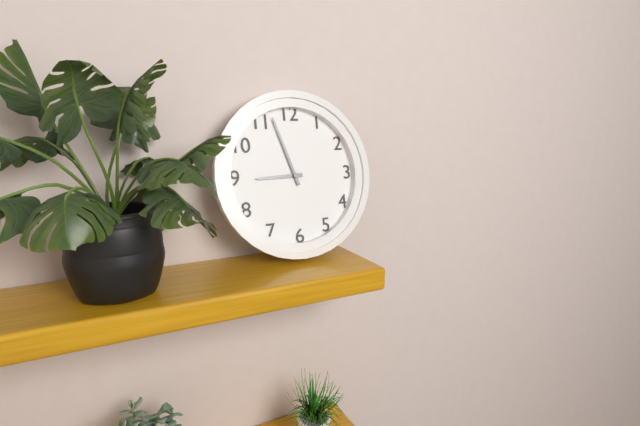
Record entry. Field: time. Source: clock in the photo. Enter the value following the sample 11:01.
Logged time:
8:57
